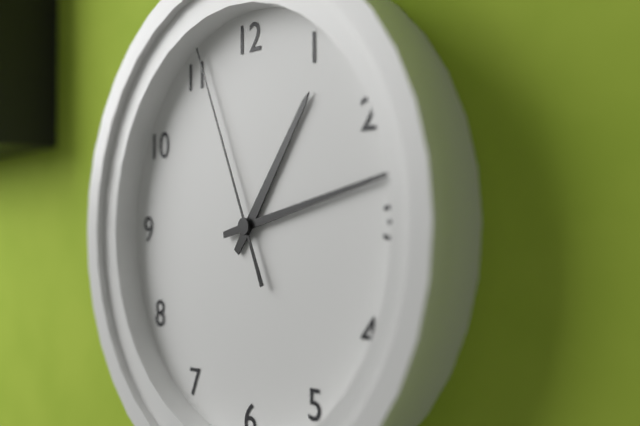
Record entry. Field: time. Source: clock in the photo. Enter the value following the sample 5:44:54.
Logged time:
1:13:56
